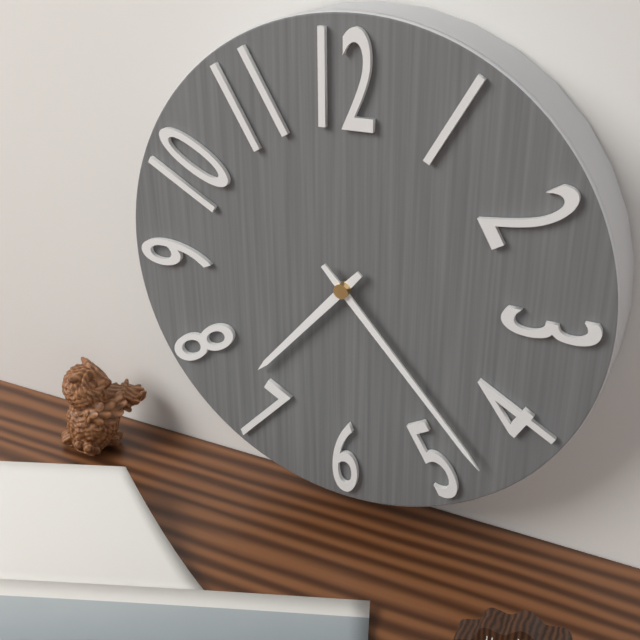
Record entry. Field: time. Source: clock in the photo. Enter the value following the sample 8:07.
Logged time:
7:23
